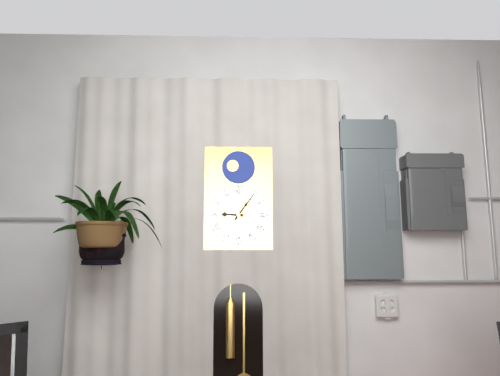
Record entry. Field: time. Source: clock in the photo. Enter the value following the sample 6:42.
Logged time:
9:06
